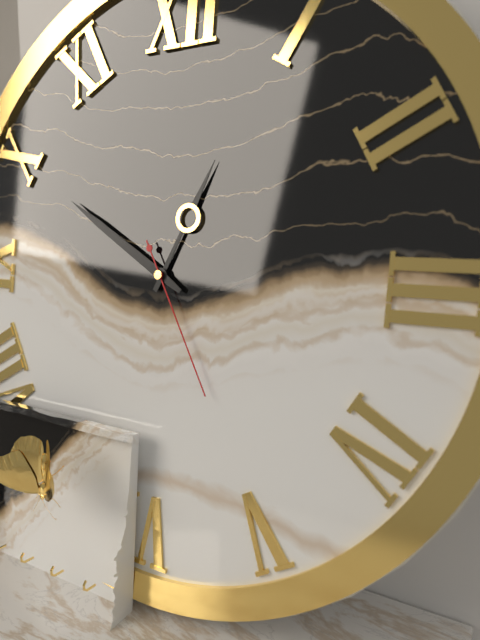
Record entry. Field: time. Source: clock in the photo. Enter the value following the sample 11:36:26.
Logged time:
12:50:25
